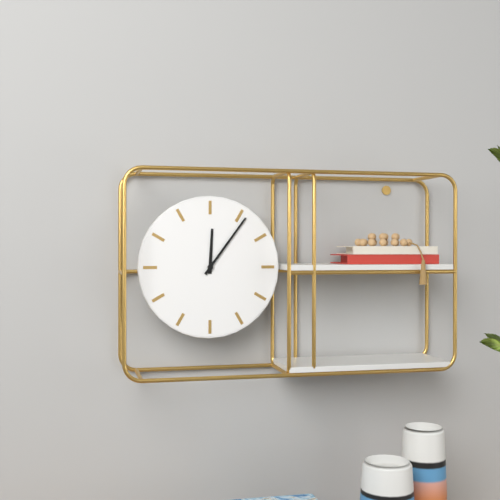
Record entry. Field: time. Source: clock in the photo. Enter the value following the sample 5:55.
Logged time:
12:06
